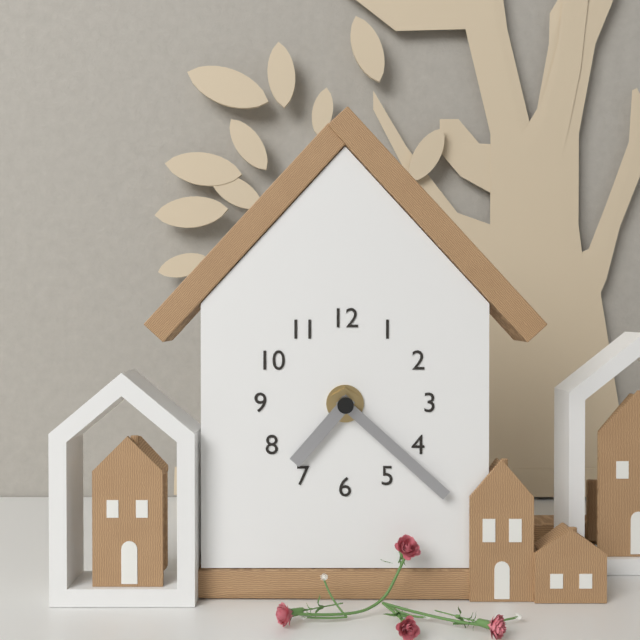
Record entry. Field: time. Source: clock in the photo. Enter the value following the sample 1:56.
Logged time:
7:22
